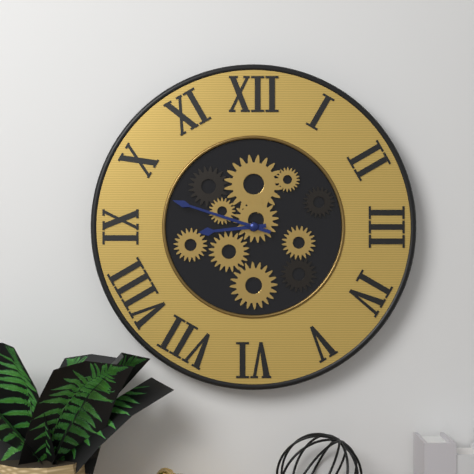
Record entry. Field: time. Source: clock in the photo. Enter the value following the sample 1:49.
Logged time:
8:48
